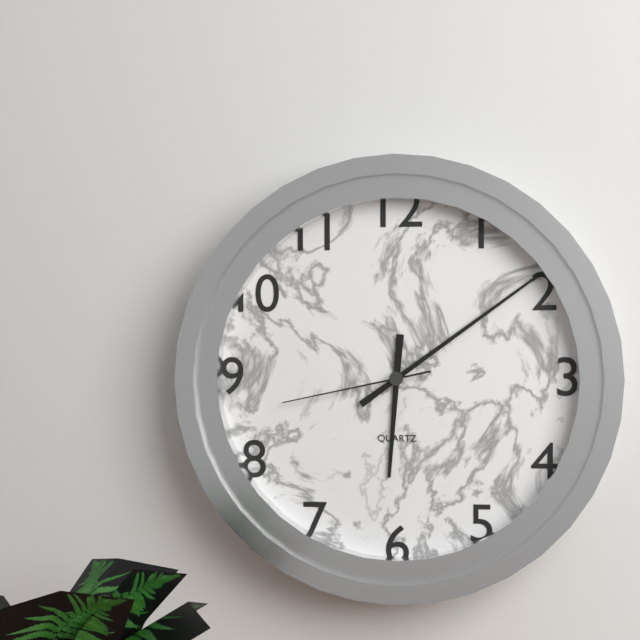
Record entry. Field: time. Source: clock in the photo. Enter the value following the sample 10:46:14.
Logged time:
6:09:43
